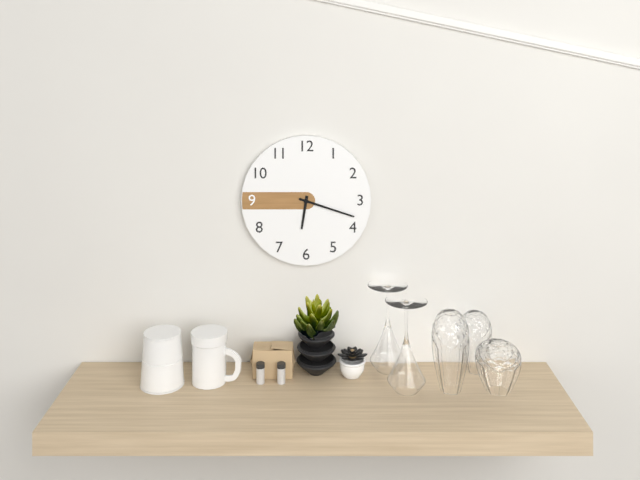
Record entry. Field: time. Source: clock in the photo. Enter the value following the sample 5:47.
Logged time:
6:18
